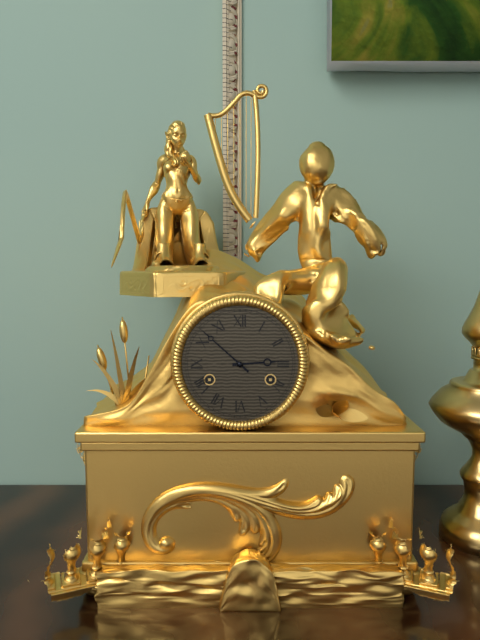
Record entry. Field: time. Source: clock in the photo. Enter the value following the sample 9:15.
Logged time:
2:52
